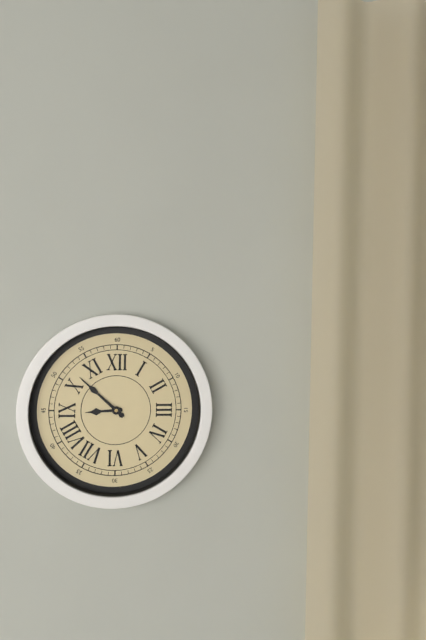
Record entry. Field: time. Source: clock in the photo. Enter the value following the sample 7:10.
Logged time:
8:52
